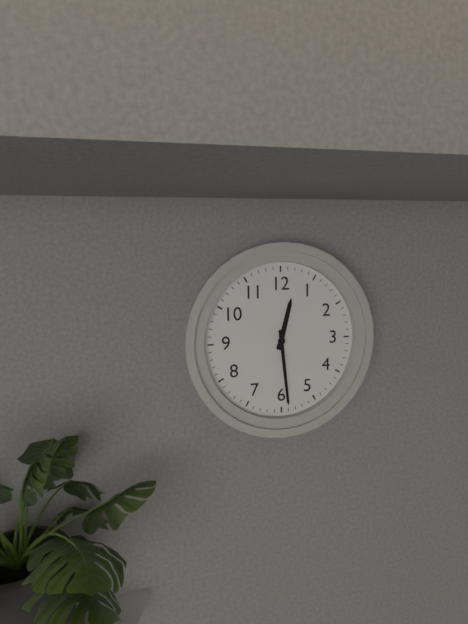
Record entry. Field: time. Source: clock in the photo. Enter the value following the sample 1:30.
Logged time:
12:29
